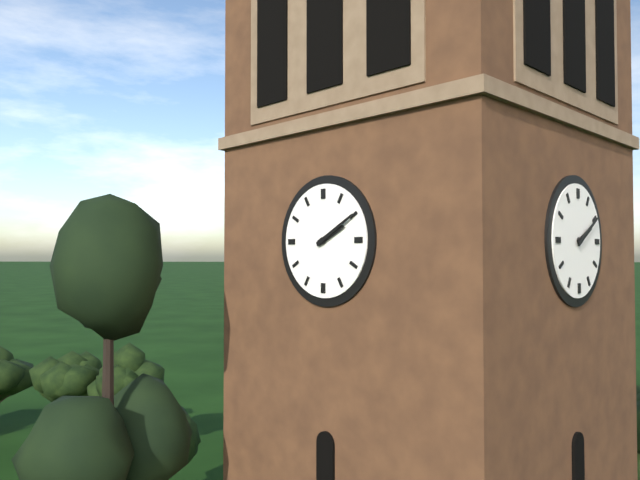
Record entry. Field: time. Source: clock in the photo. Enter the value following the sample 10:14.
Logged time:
2:10
